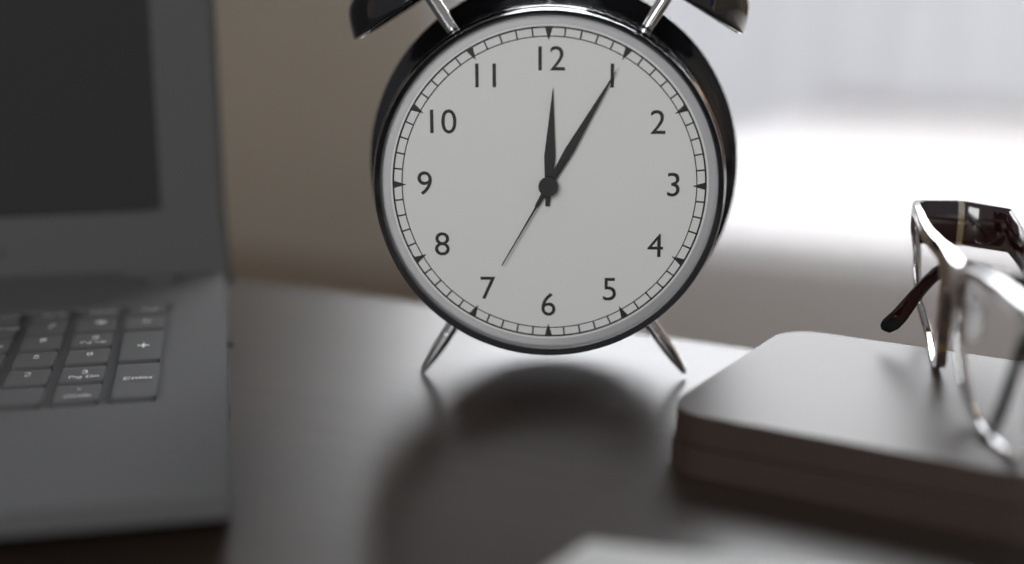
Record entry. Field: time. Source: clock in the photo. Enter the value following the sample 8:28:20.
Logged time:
12:05:35
